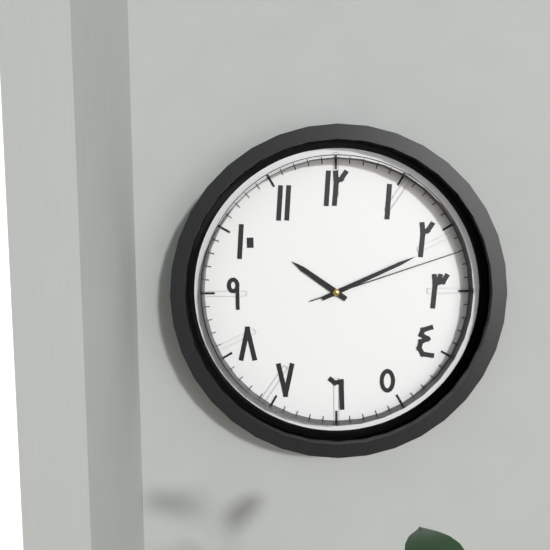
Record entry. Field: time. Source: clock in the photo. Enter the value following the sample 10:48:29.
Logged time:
10:11:12
